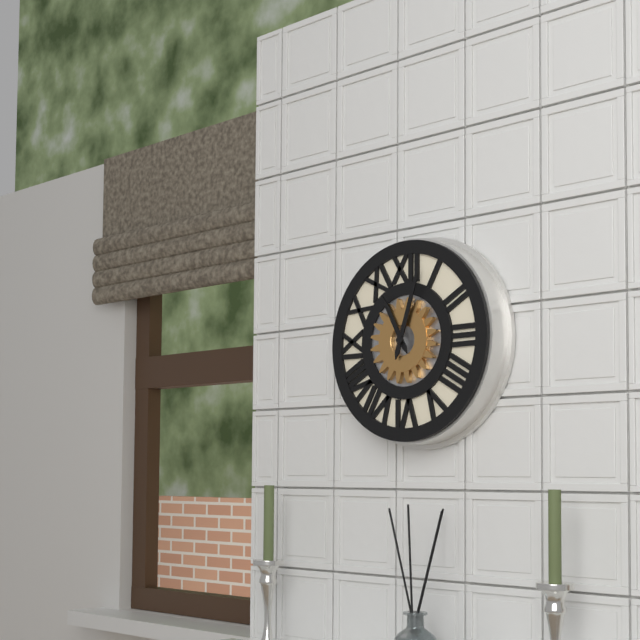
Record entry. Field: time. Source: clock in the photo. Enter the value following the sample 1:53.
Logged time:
11:03
